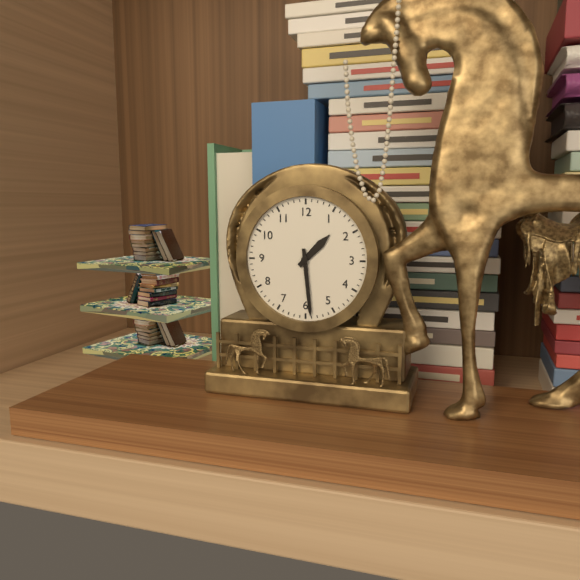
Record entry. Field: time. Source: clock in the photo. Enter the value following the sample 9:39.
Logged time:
1:29
